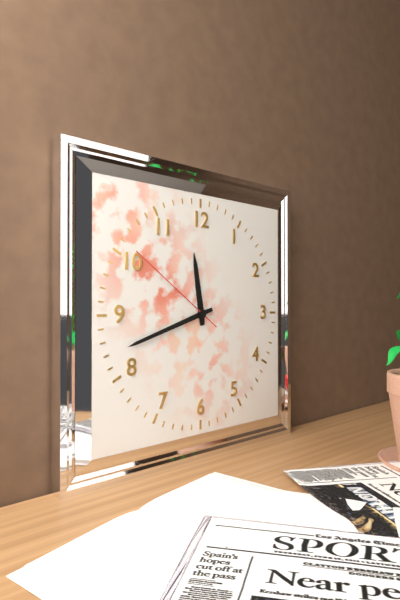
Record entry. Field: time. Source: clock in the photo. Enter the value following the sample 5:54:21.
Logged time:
11:42:51
